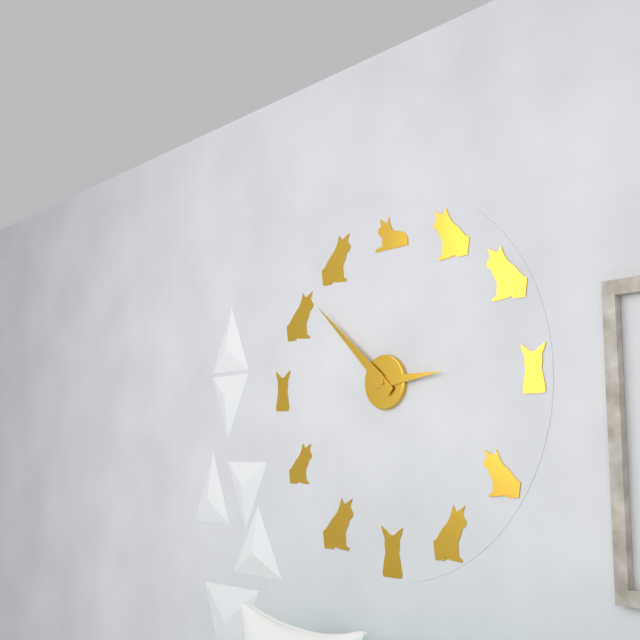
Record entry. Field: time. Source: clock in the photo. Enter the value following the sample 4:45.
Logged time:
2:52
